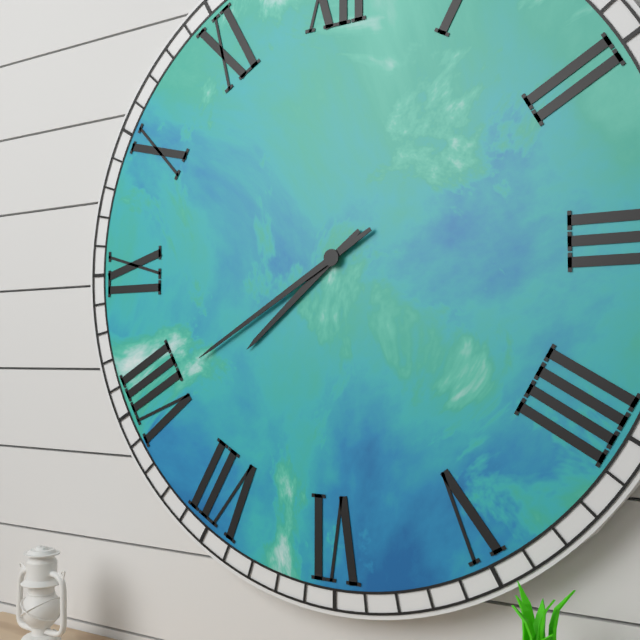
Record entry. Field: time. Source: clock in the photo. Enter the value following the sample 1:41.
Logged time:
7:40
